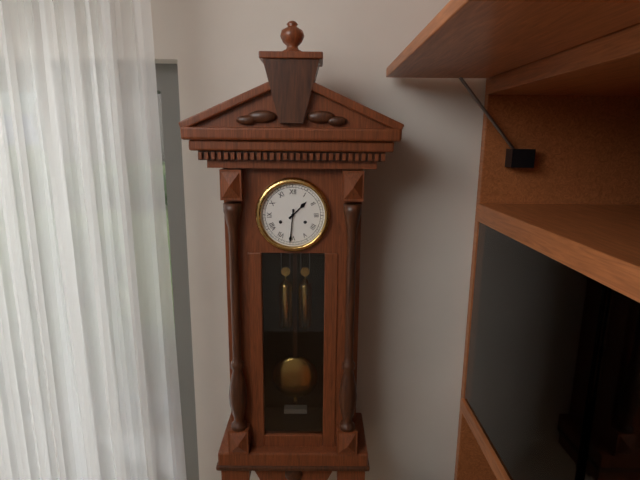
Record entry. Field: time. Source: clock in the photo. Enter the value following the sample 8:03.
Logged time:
1:31
